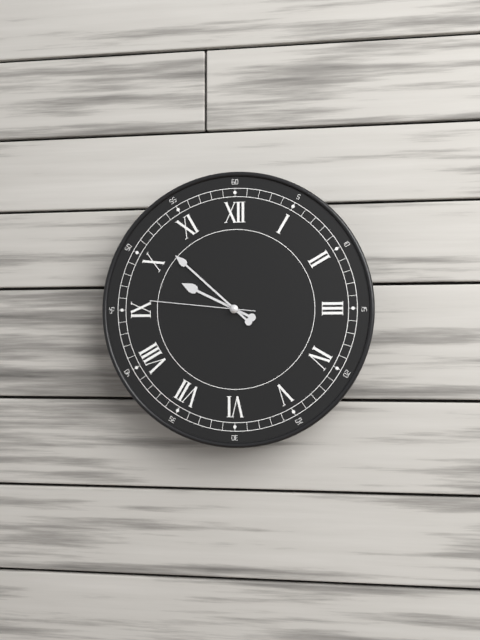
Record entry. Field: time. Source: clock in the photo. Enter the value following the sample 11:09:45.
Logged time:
9:52:46
